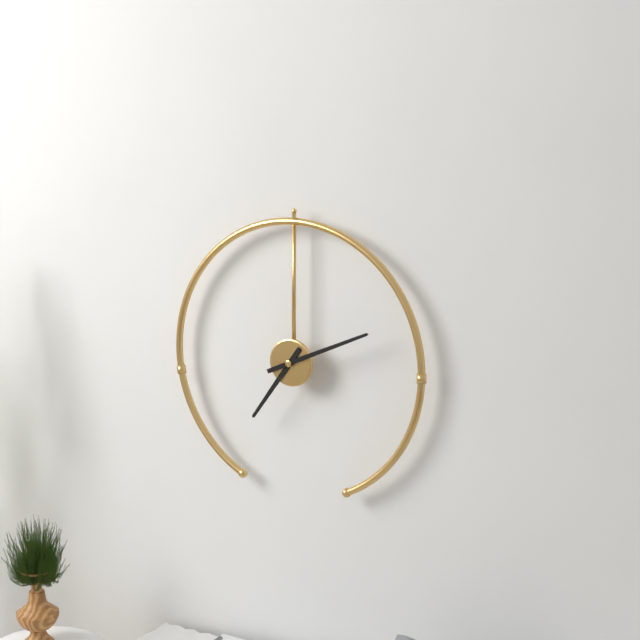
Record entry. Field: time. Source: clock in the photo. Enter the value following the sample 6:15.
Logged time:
7:11
